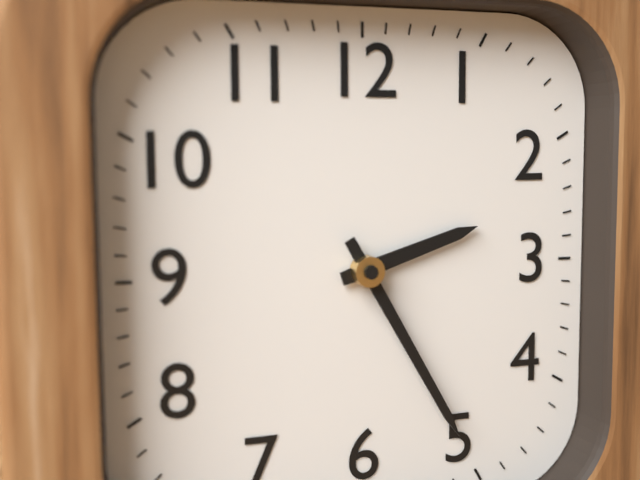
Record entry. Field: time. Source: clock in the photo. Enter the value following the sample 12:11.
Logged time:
2:25
